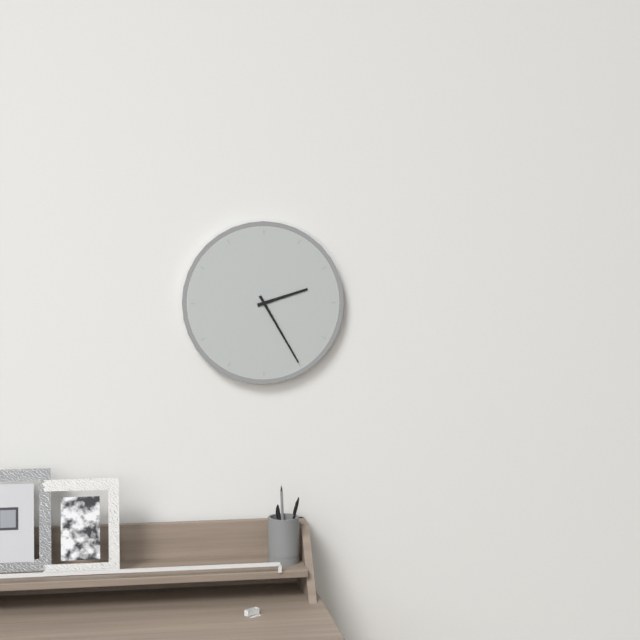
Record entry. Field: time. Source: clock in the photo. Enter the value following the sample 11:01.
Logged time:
2:25
